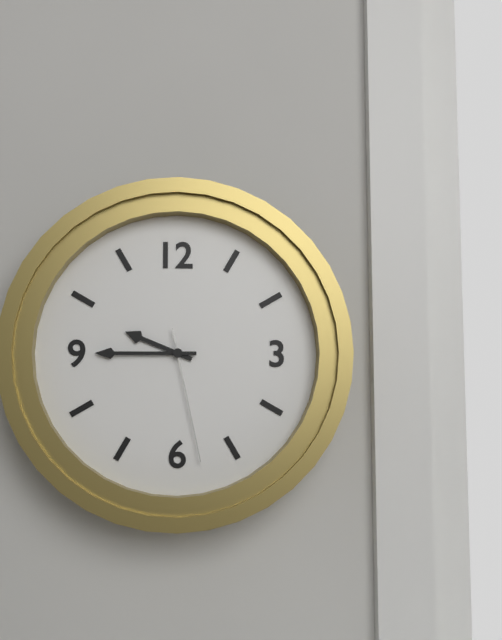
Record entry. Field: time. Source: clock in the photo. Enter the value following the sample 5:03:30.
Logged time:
9:45:28
